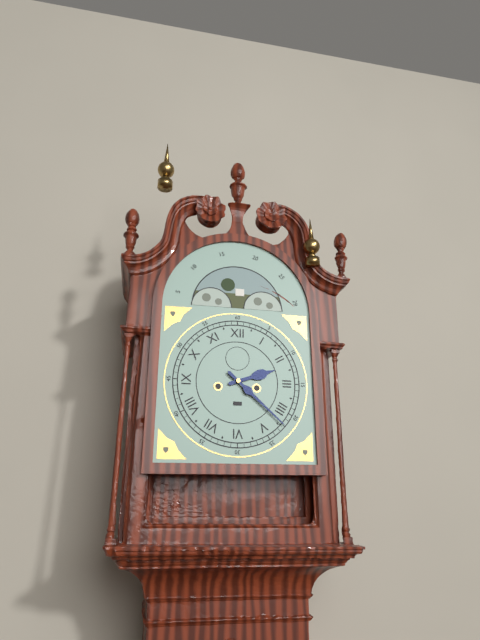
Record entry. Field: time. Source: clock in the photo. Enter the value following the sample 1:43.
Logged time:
2:22
